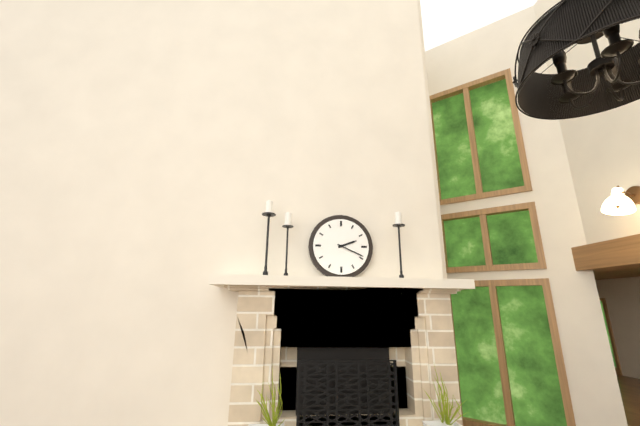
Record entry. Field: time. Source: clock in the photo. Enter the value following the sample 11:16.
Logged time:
2:19
